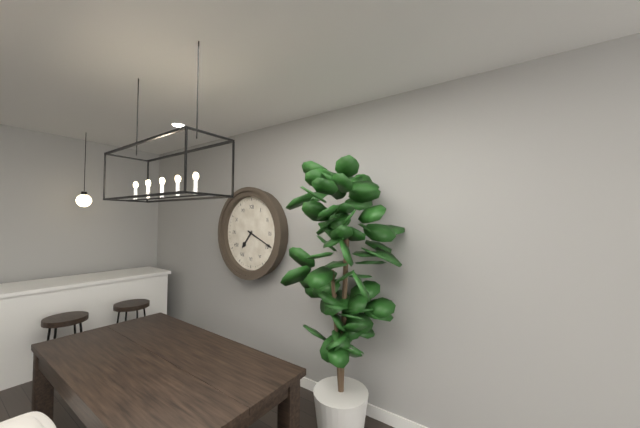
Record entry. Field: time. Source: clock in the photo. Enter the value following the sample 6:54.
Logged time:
7:19
